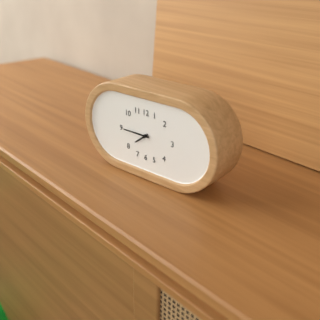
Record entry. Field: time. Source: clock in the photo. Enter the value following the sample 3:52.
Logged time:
7:45
